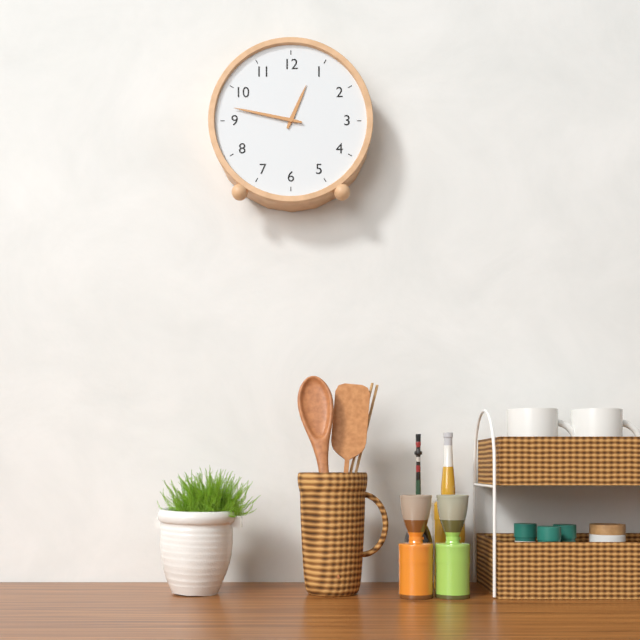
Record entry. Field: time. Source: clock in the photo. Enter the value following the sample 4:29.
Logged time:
12:47
